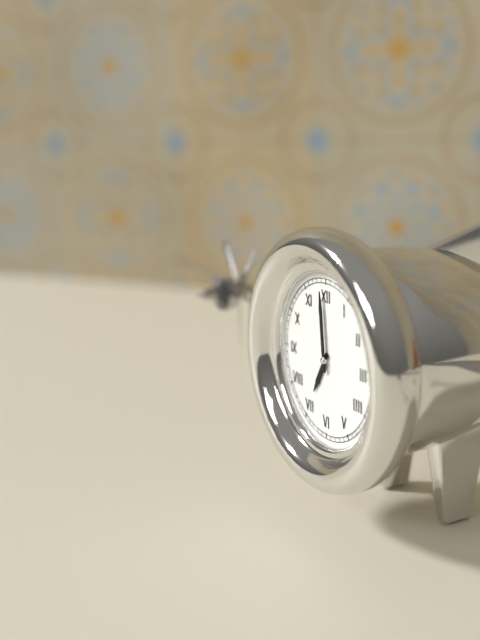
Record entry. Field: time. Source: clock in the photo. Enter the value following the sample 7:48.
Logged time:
6:59
